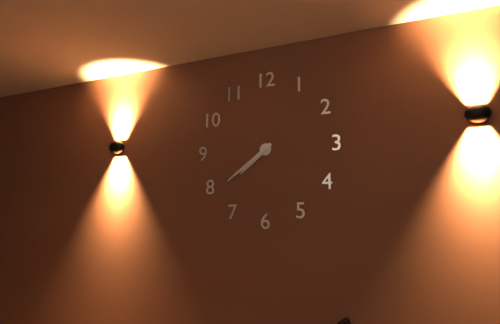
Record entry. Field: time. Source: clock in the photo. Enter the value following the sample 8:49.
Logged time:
7:39
